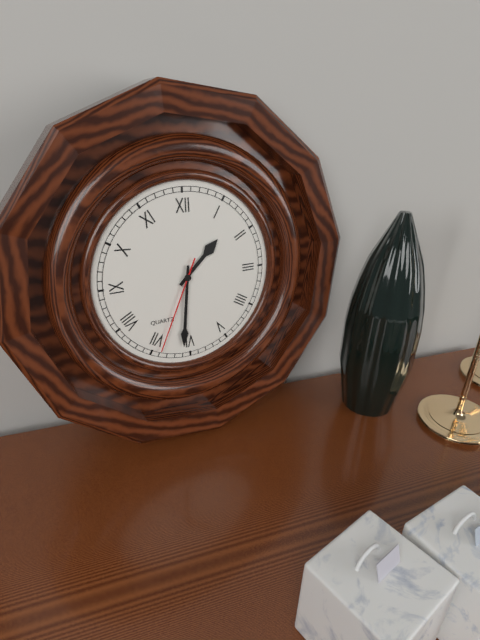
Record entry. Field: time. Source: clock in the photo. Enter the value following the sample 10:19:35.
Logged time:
1:31:34
